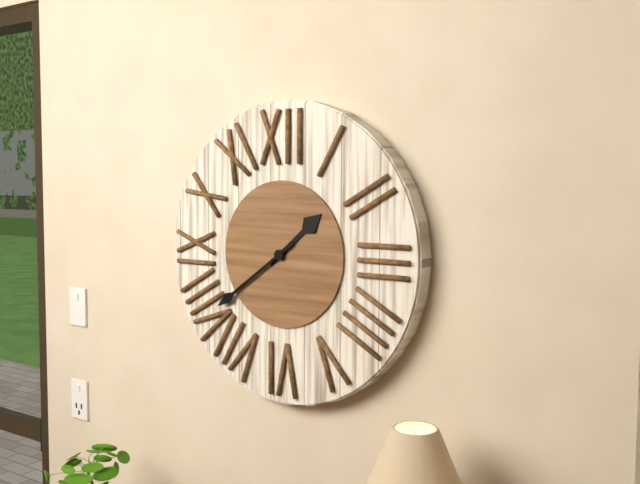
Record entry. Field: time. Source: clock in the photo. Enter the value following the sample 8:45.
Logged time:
1:39
